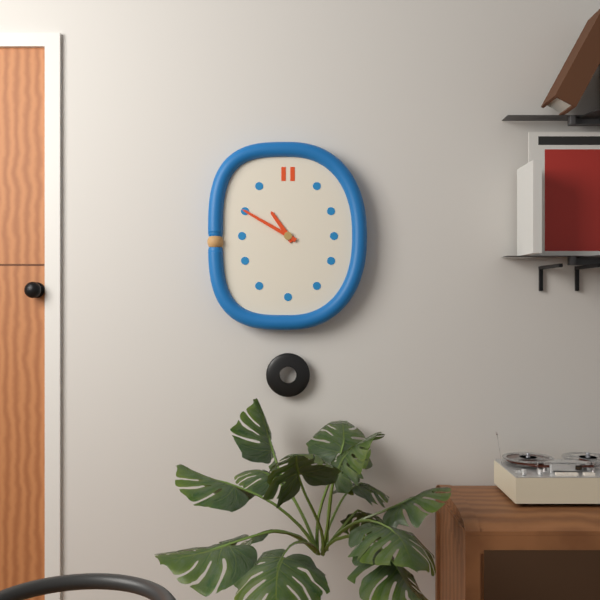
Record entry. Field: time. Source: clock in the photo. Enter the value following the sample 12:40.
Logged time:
10:50
